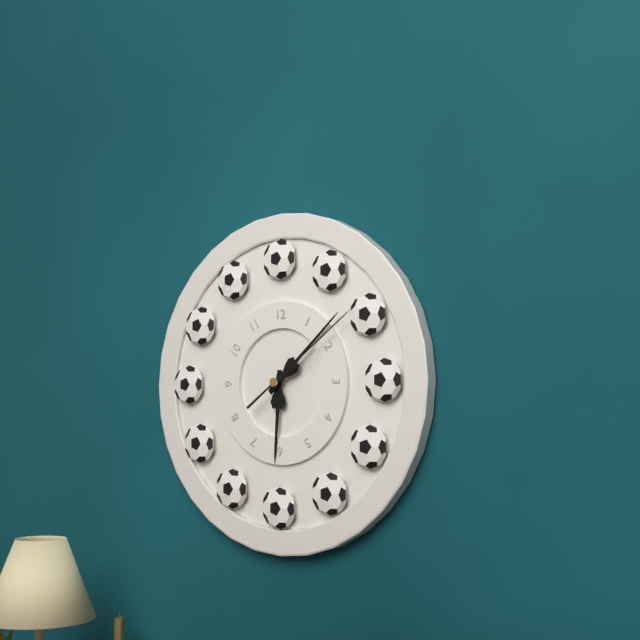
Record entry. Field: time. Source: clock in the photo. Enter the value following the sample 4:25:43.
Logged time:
6:08:09
